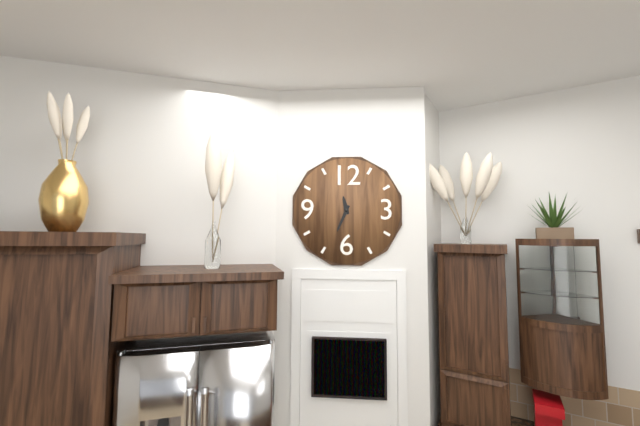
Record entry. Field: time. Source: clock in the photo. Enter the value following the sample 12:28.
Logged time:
11:34
